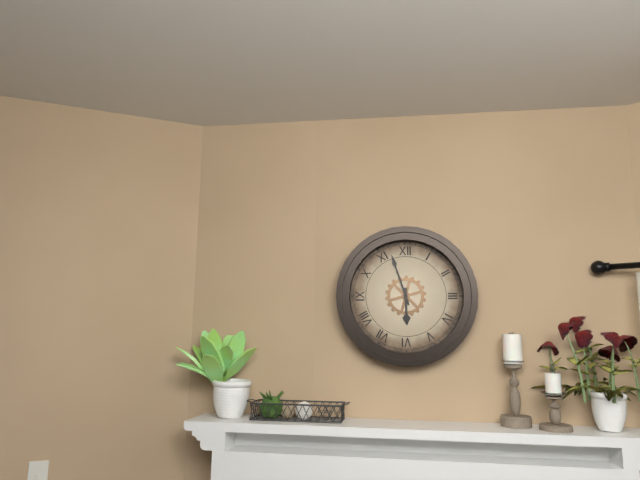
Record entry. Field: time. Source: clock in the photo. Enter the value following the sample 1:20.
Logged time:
5:57
